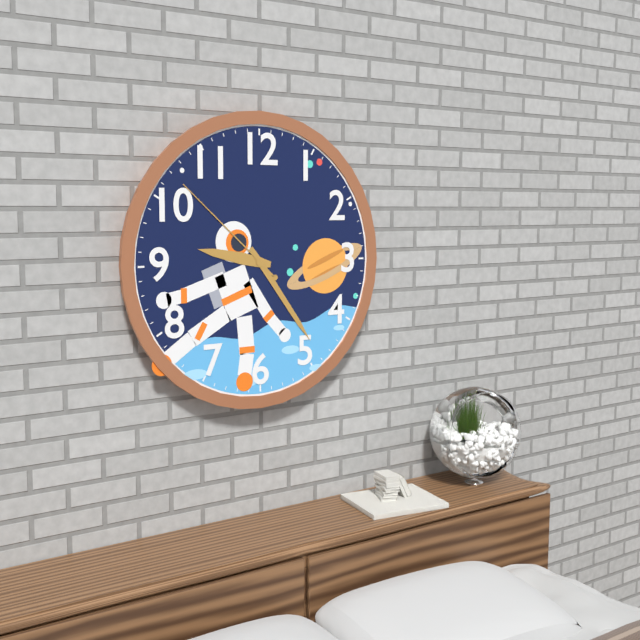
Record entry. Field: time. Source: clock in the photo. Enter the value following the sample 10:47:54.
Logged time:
9:24:52
